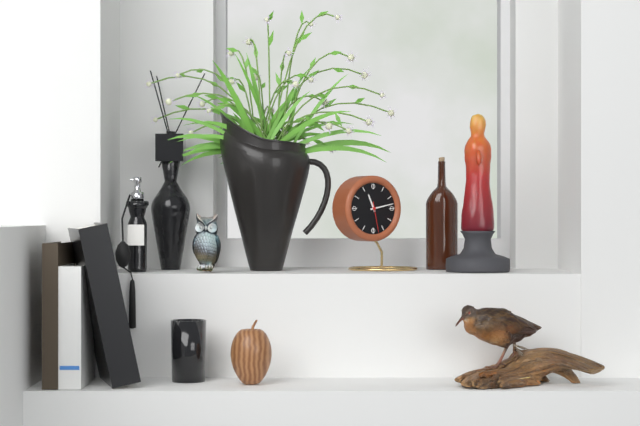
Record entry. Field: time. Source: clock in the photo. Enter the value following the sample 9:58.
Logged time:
11:13
